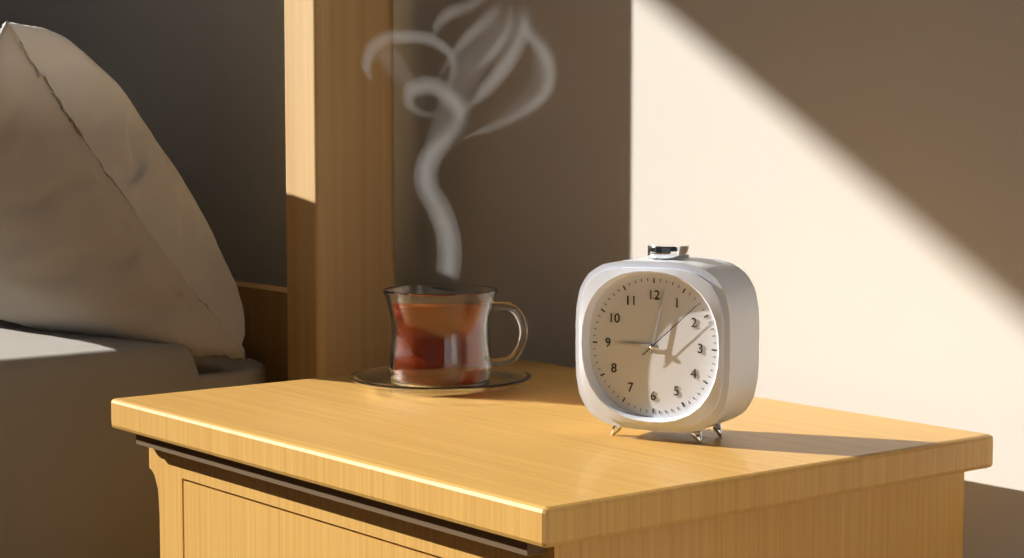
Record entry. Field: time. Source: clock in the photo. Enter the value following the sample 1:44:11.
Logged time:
9:02:08
